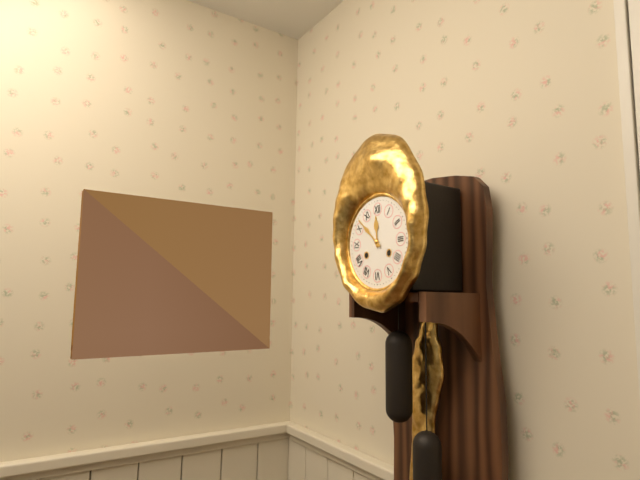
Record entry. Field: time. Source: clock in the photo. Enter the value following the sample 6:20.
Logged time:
11:52
